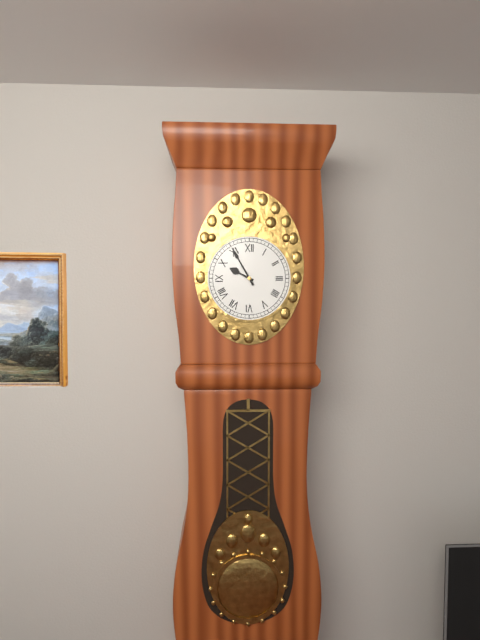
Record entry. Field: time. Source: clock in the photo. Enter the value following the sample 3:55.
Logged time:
9:55
